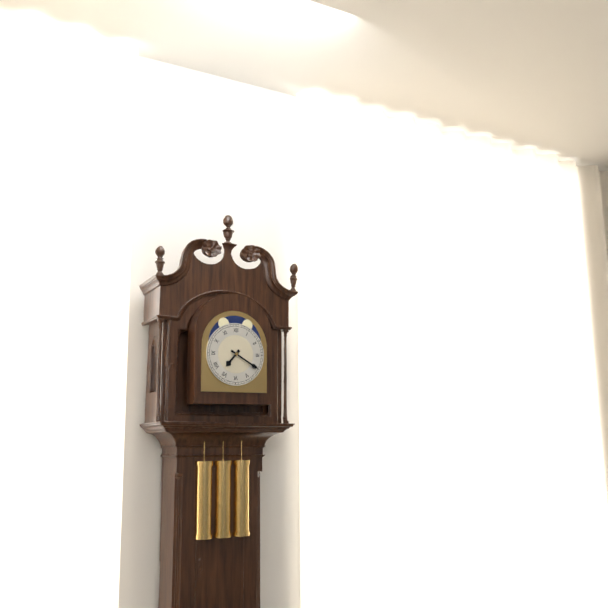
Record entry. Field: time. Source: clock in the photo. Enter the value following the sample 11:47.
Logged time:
7:20
